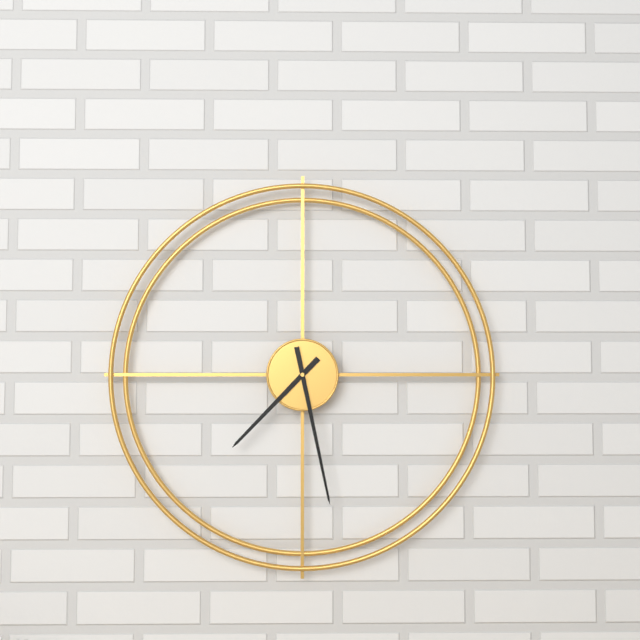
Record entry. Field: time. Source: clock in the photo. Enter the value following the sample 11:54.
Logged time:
7:28
